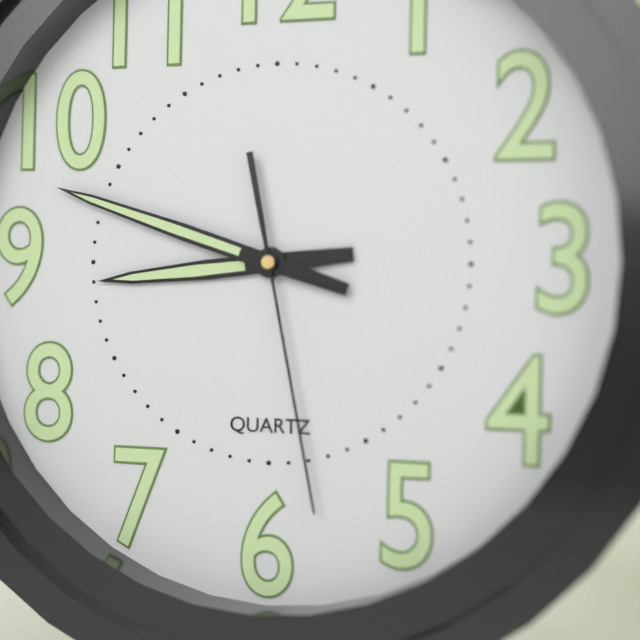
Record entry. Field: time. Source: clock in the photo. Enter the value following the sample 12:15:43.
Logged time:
8:48:28
